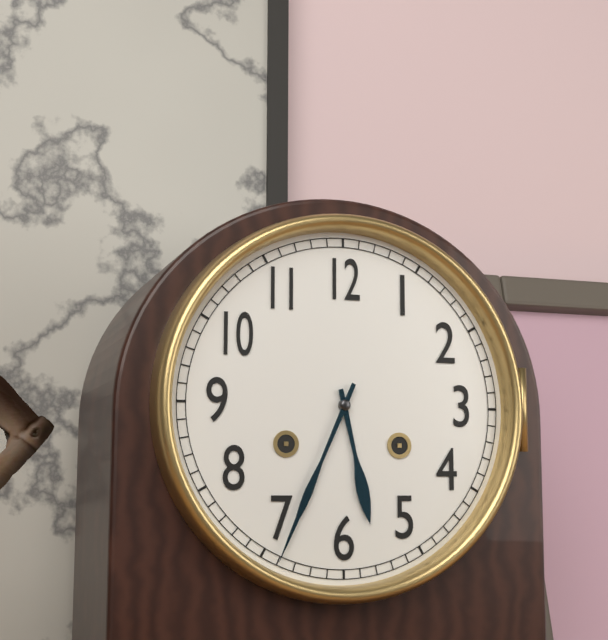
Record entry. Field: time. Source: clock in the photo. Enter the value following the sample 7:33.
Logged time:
5:34
